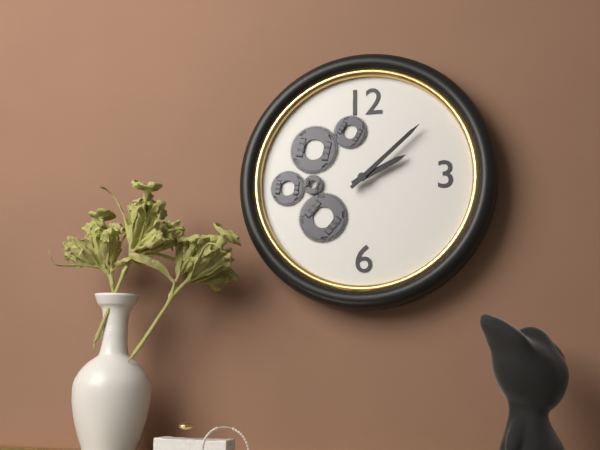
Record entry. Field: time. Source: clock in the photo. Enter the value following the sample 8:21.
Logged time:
2:08
